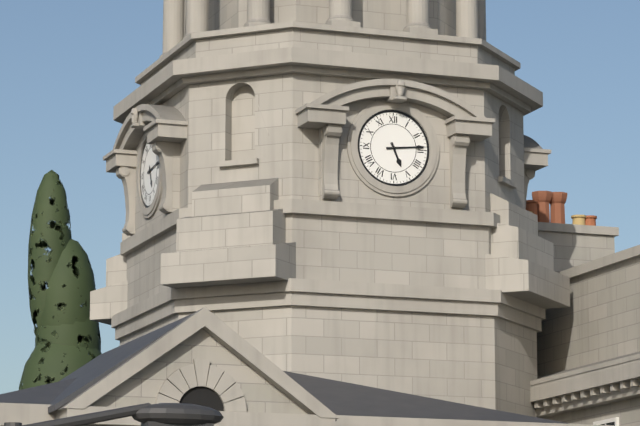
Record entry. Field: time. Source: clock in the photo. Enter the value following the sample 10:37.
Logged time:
5:14
